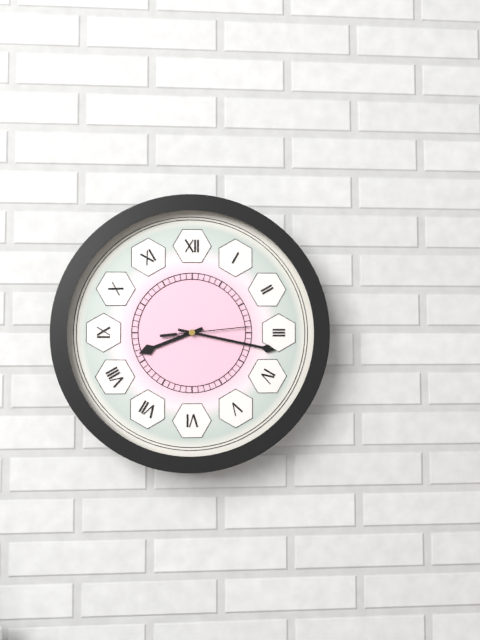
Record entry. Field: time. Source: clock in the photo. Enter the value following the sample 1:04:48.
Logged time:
8:17:14
